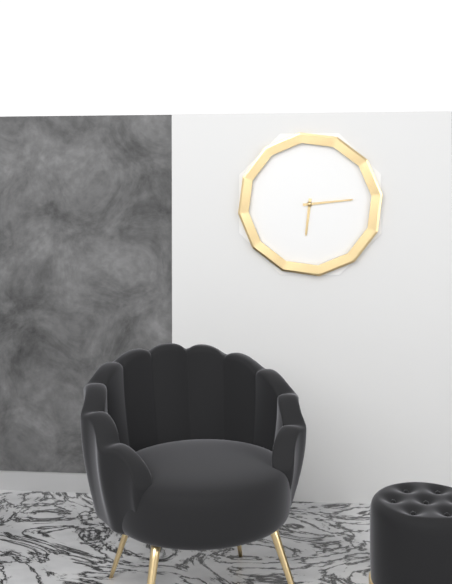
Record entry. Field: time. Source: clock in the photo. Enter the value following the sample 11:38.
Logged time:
6:14
